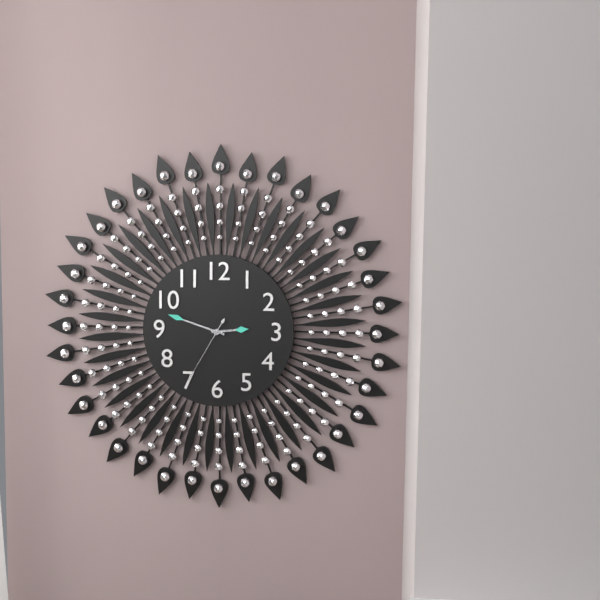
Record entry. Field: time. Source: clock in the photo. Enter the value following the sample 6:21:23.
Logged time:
2:48:35
